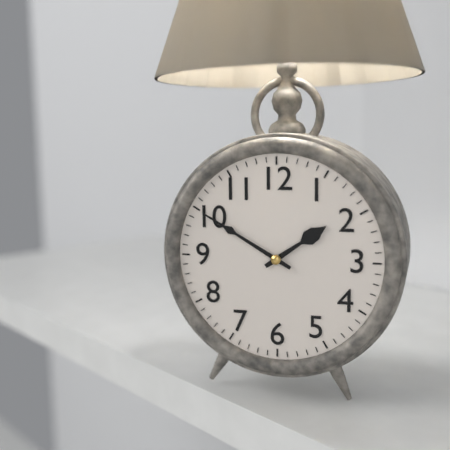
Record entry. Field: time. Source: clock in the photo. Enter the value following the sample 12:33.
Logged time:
1:50
